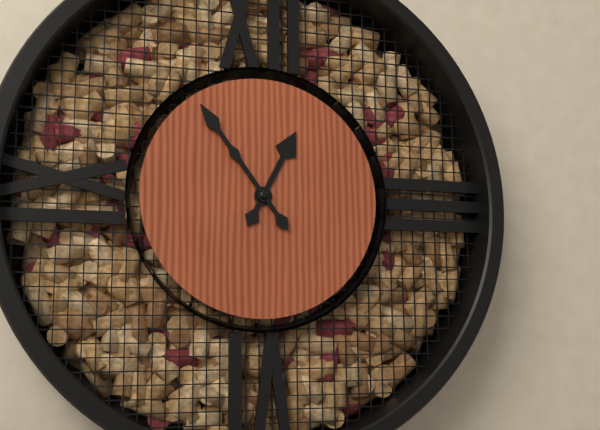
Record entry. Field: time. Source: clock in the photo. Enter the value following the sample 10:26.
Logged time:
12:54
